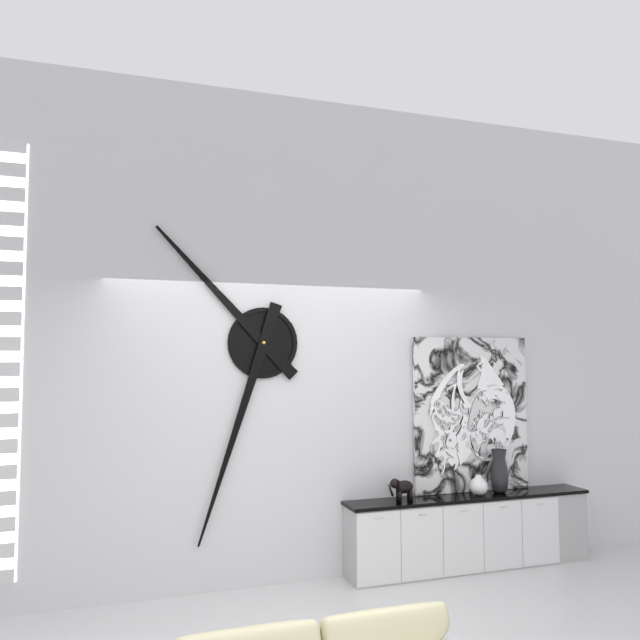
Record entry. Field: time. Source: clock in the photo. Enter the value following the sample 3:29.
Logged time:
10:33
